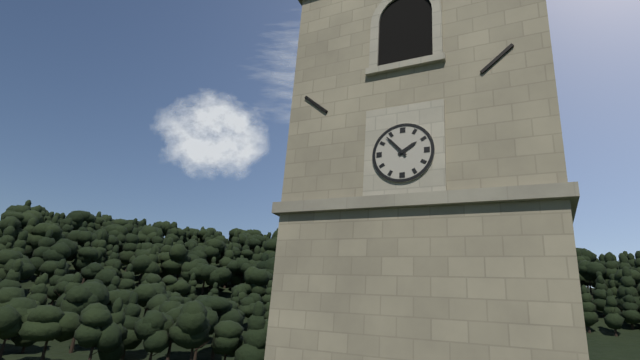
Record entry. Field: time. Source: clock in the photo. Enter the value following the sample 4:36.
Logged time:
1:53
